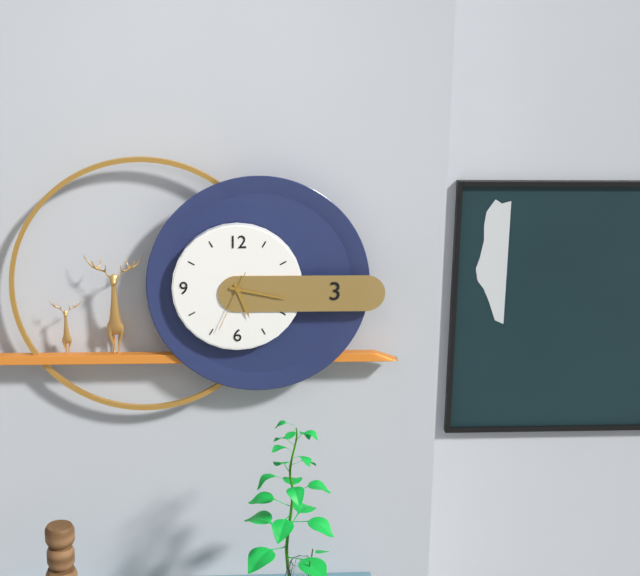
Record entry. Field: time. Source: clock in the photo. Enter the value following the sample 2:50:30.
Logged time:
5:17:34
